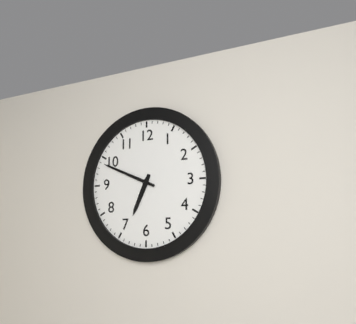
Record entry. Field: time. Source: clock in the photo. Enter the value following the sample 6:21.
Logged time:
6:49
